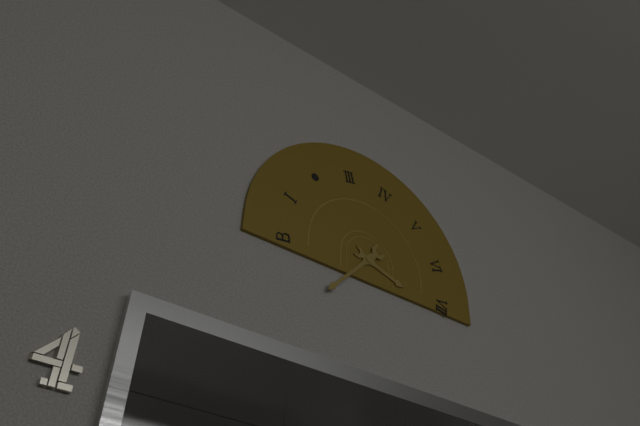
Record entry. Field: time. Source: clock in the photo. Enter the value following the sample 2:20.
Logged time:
3:37
